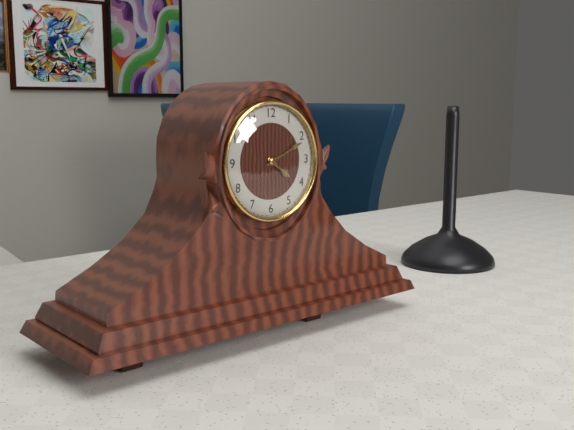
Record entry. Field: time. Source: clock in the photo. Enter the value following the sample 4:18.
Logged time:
4:11
